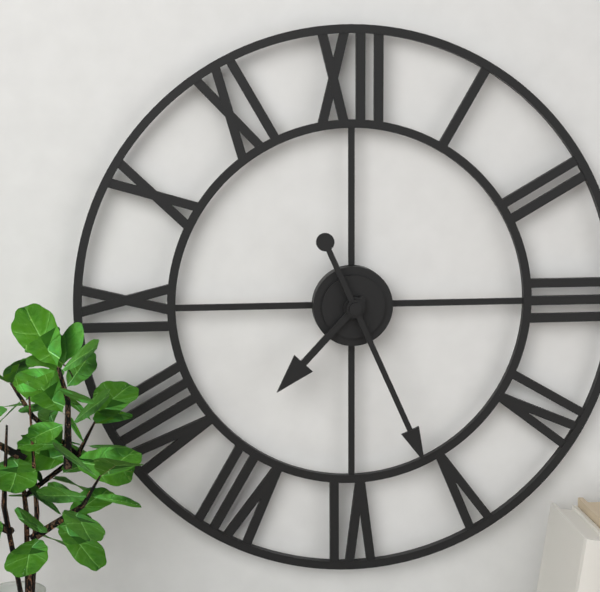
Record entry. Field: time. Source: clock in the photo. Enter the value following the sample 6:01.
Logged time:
7:26
